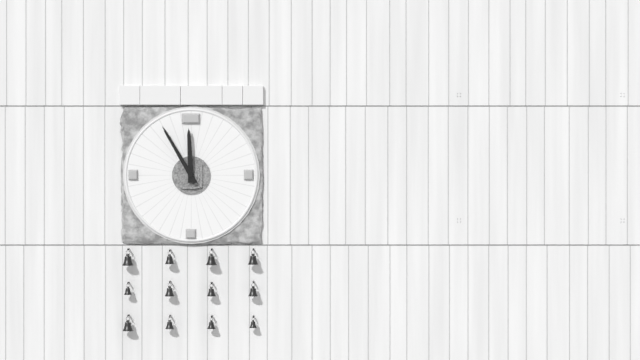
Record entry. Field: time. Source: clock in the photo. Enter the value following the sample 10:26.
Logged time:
11:55
